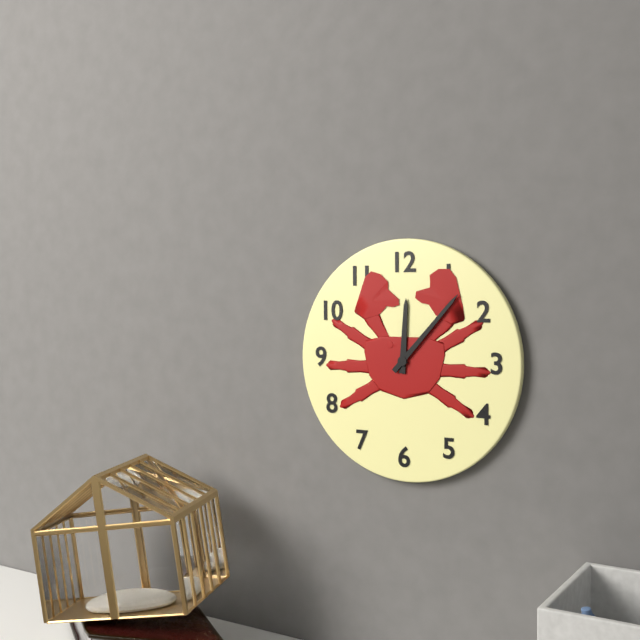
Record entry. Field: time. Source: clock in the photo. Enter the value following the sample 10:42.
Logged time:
12:07
